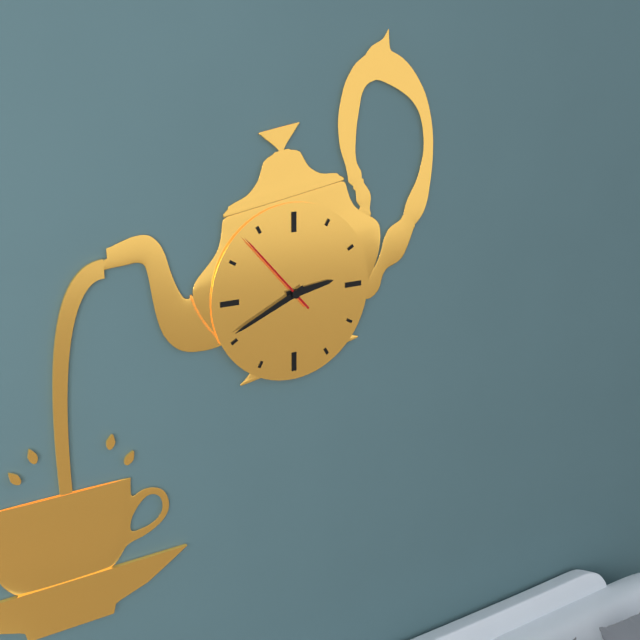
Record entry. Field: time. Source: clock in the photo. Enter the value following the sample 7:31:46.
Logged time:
2:41:53
